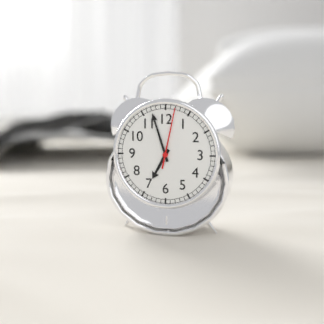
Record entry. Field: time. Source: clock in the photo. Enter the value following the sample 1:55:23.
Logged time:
6:57:02
